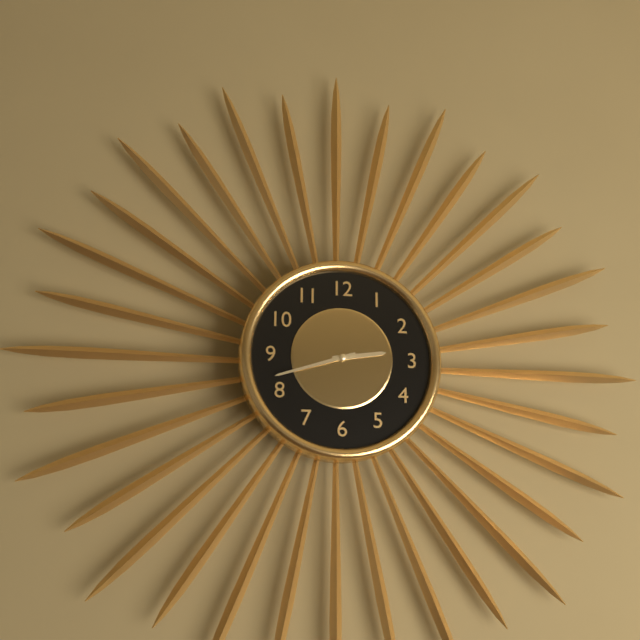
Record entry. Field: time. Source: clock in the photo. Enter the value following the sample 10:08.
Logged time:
2:42
